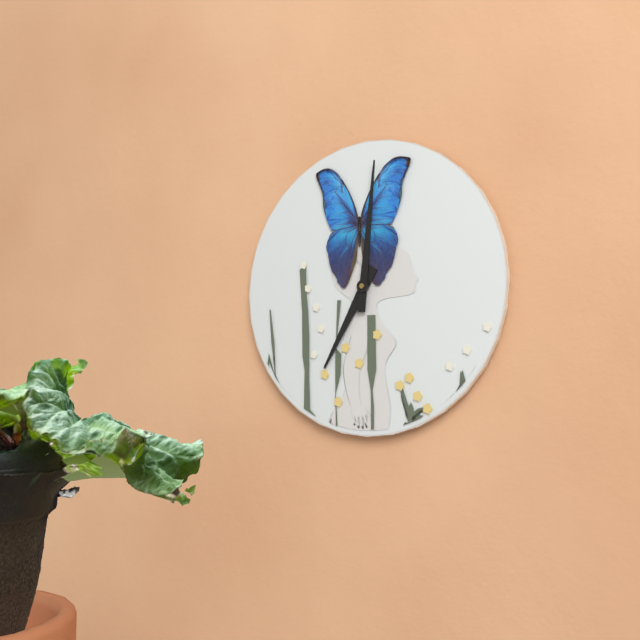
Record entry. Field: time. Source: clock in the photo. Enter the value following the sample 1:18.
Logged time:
7:01
